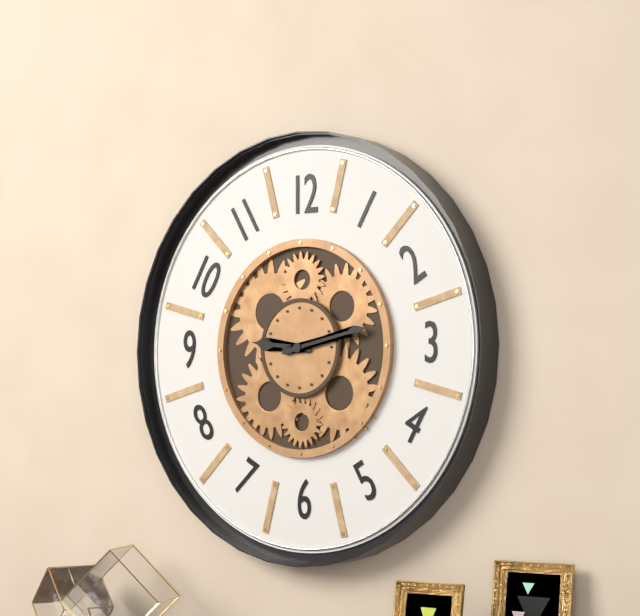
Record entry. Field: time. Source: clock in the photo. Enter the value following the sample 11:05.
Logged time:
9:13
